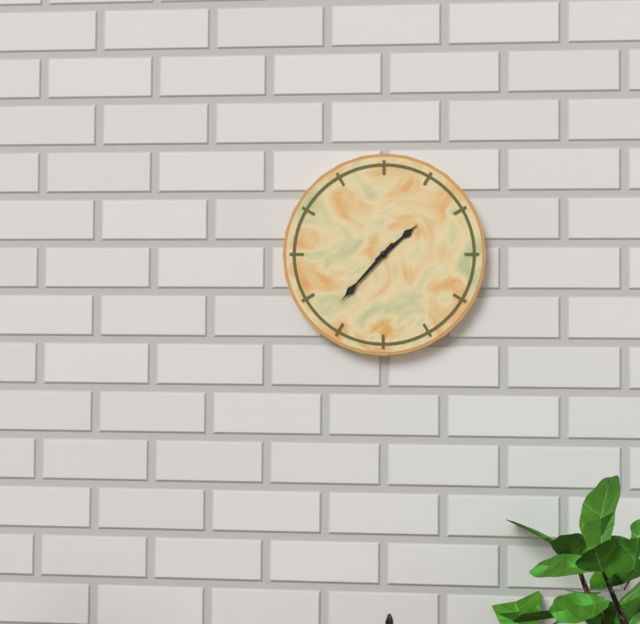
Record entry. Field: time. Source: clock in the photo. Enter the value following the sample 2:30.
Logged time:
1:37
